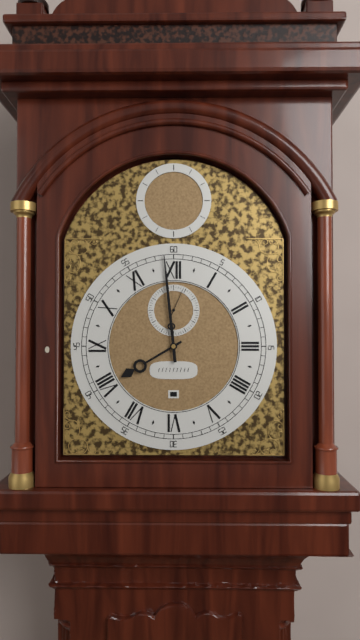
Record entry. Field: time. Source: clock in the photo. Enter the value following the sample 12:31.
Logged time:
7:59
